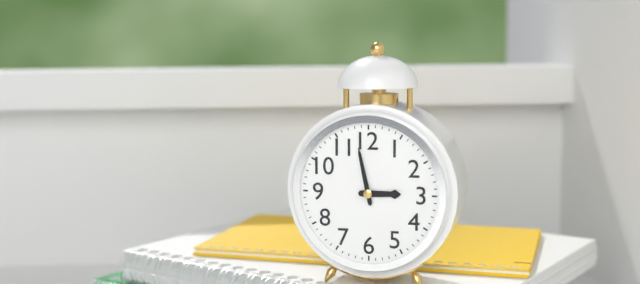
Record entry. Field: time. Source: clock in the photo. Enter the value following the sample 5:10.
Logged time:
2:58
